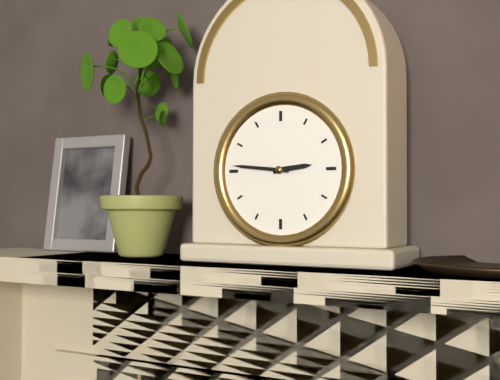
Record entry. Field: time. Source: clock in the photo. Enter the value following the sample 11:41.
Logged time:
2:46
